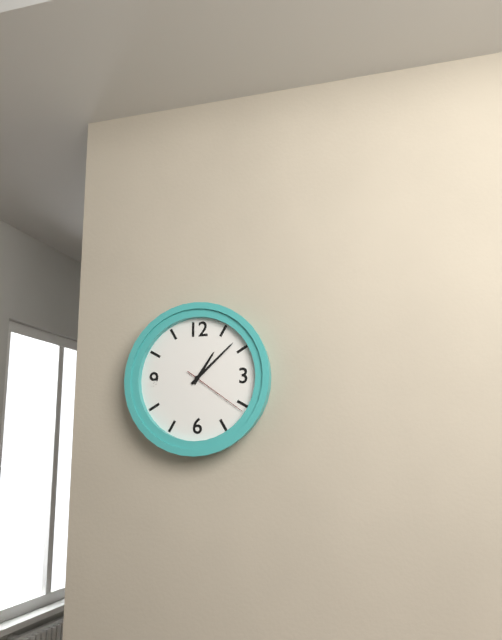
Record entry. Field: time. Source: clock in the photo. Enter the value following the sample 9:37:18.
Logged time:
1:08:21
